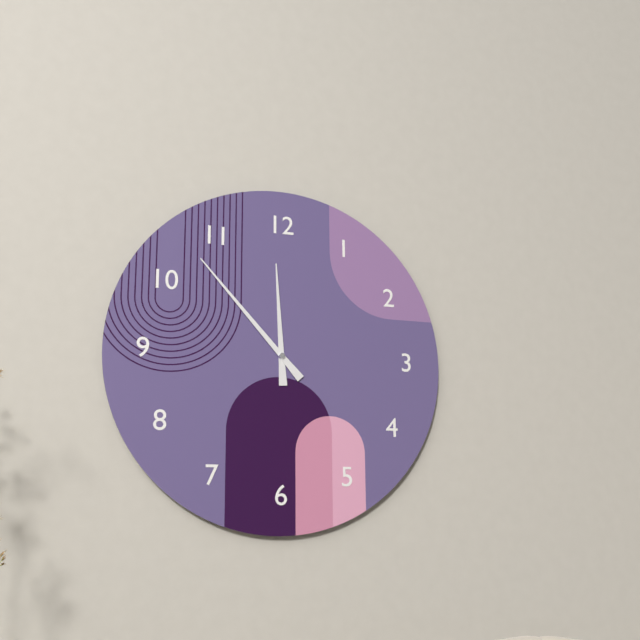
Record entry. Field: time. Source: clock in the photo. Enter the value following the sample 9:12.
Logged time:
11:53
